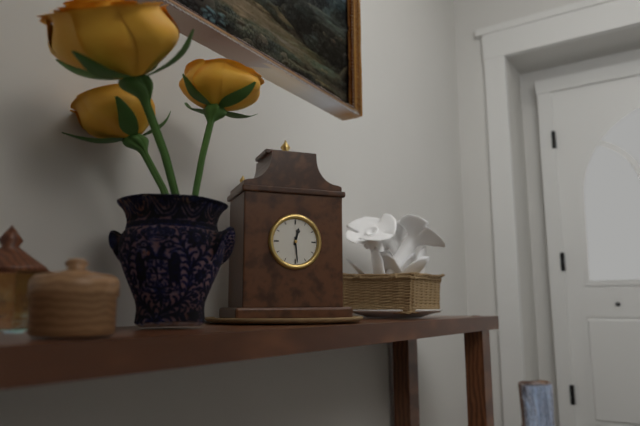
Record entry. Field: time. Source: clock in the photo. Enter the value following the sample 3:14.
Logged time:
12:29
